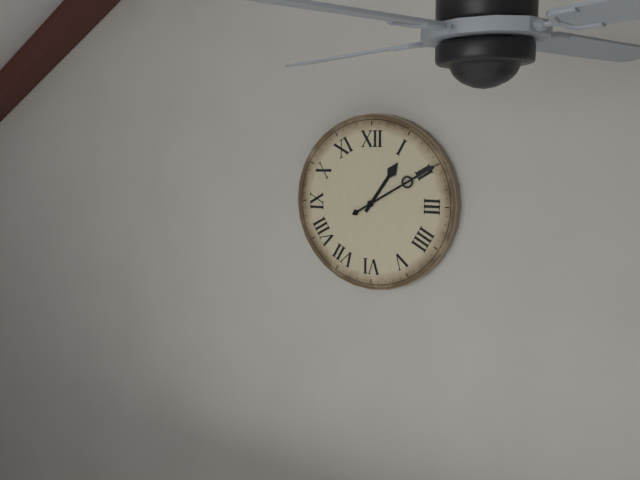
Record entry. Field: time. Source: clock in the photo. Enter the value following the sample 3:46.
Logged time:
1:10
